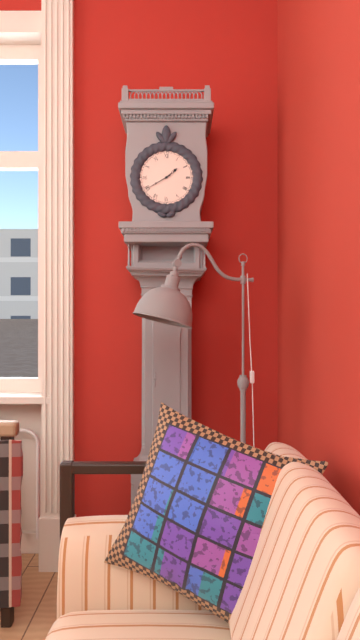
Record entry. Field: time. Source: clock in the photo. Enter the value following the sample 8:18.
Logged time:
1:40
